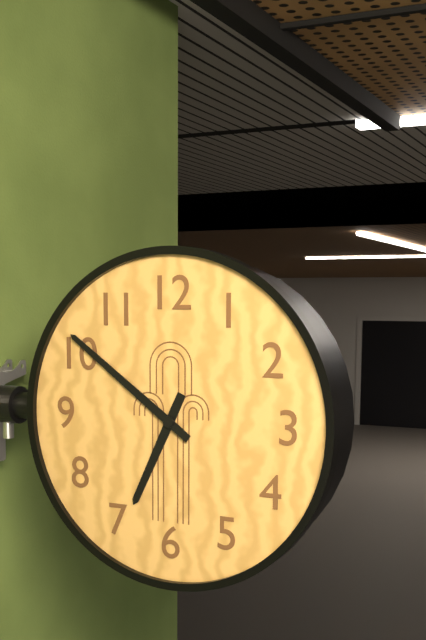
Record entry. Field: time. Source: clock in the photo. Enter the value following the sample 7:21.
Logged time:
6:51
